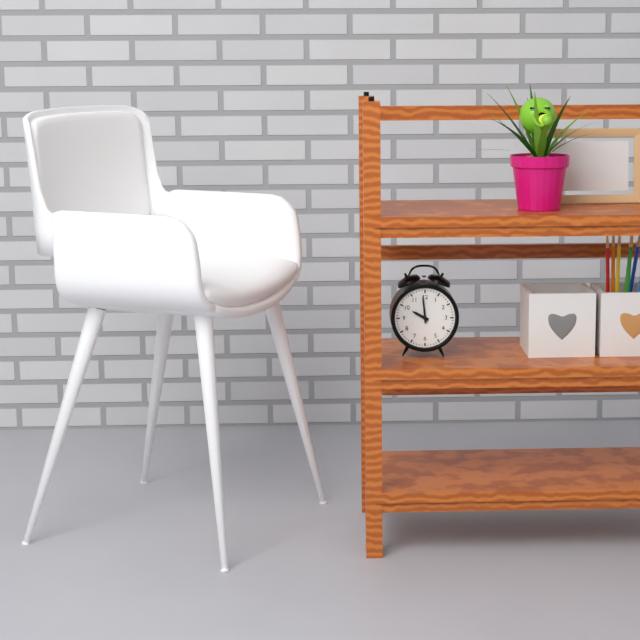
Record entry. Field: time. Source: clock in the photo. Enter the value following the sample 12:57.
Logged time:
9:59
